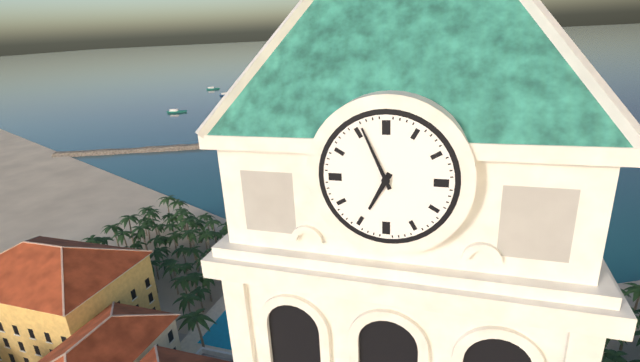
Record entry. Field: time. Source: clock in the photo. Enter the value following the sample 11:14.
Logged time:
6:56
